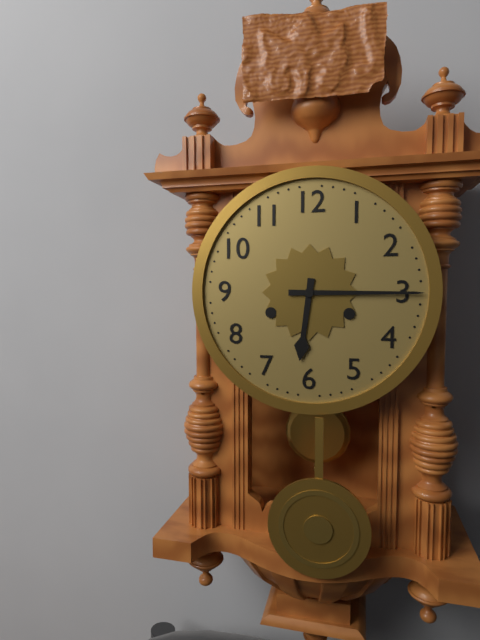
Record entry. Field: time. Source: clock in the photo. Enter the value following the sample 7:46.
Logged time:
6:15
